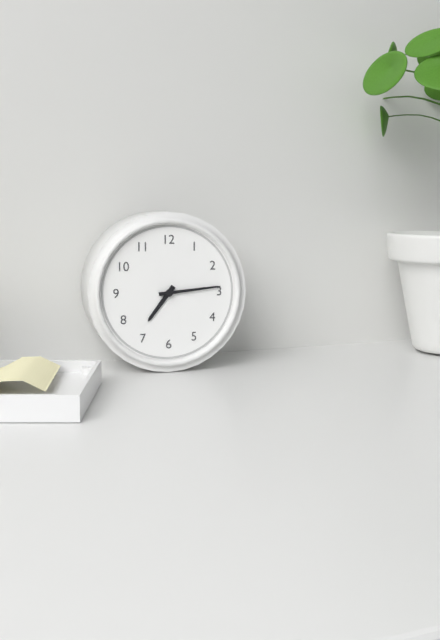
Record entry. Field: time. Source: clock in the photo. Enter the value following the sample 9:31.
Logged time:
7:14
